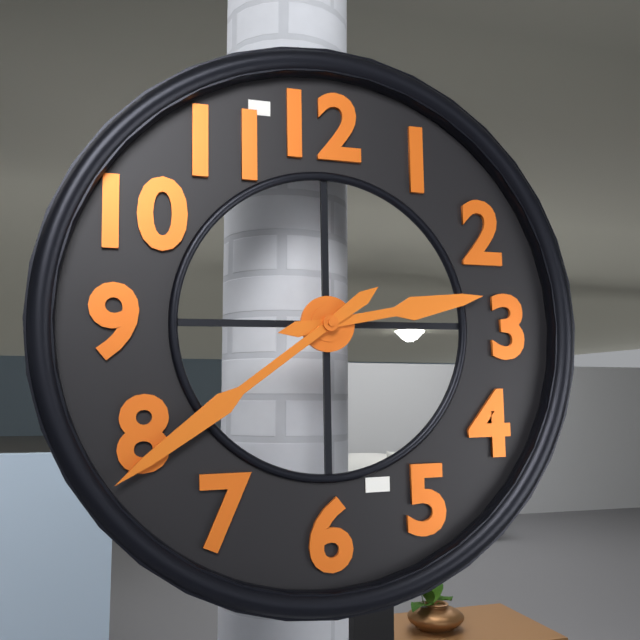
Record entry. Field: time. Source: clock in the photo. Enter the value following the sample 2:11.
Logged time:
2:39
